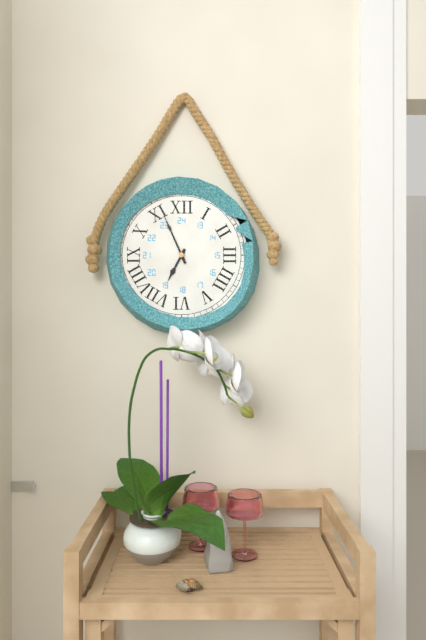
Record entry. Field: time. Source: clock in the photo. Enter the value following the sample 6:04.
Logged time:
6:56
